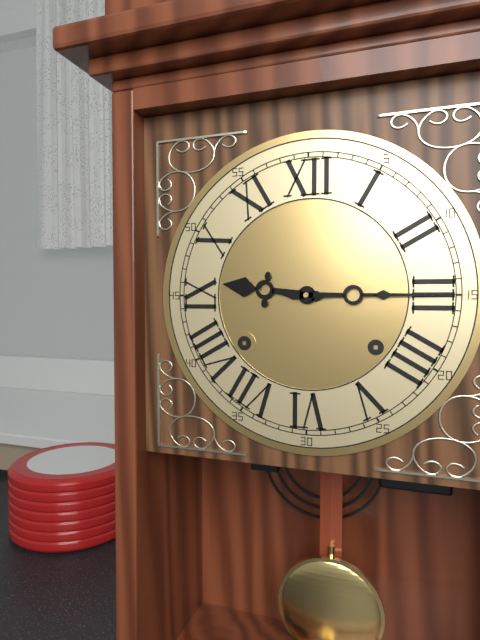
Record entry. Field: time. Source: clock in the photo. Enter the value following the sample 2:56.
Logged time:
9:15
